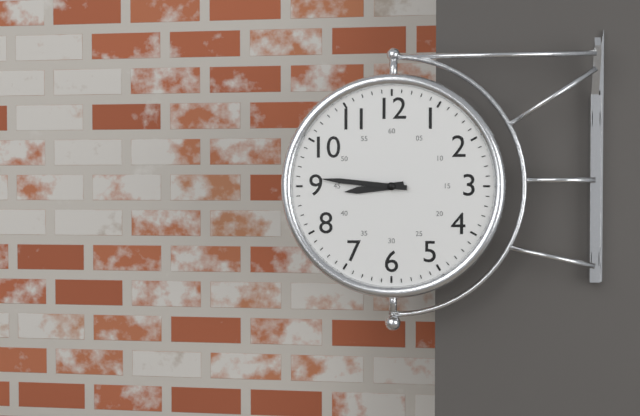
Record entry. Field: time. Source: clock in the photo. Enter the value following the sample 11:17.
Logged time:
8:46
